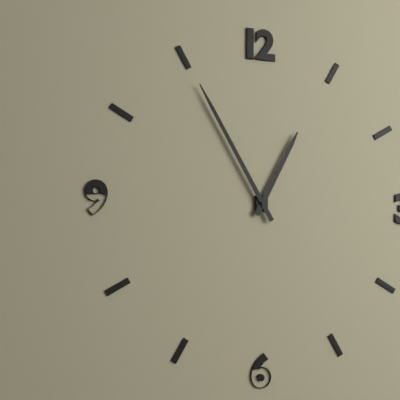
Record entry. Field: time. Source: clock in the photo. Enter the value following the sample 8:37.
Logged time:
12:55
